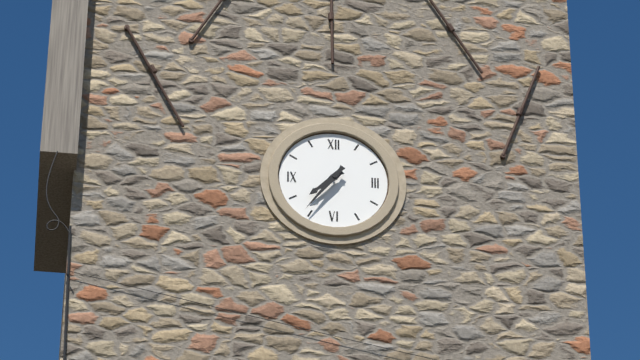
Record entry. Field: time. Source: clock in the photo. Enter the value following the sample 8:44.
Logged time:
7:36
